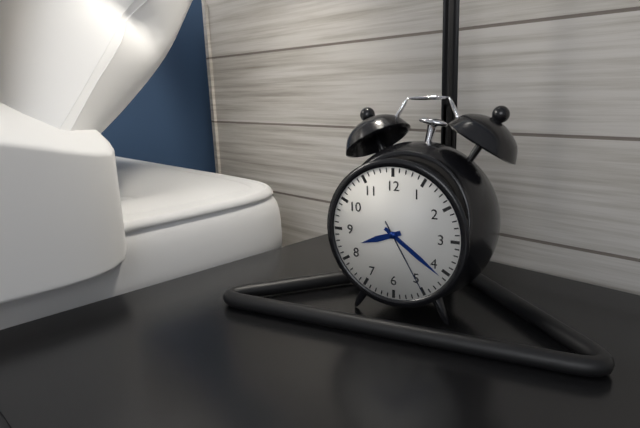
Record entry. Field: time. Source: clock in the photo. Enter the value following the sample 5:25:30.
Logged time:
8:21:25
